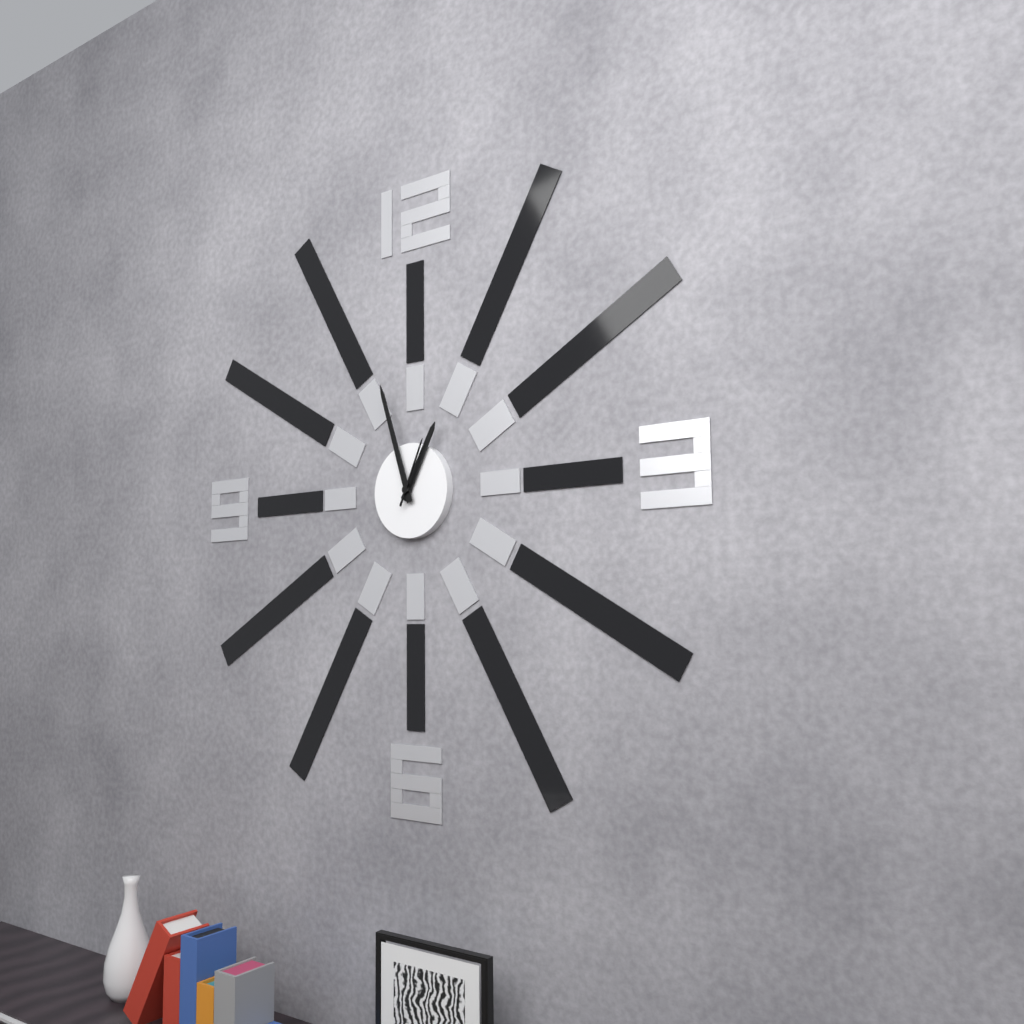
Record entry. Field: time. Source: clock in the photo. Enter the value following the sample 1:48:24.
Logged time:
12:57:04
